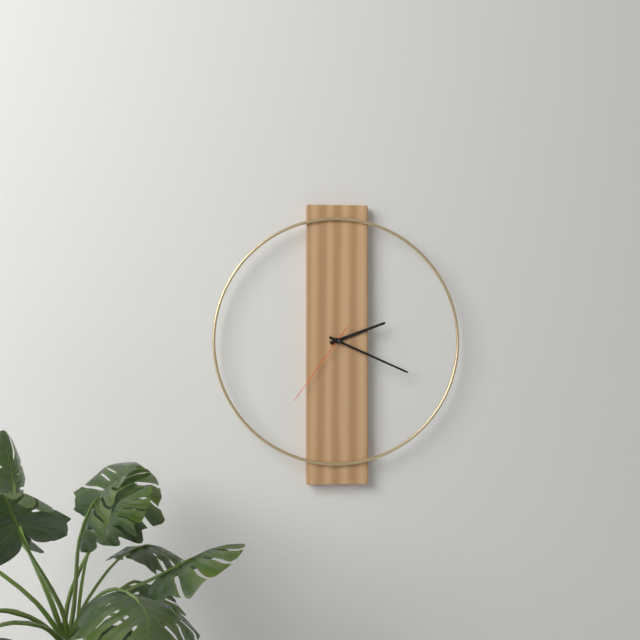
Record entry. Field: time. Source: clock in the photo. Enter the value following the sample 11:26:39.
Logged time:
2:19:36
